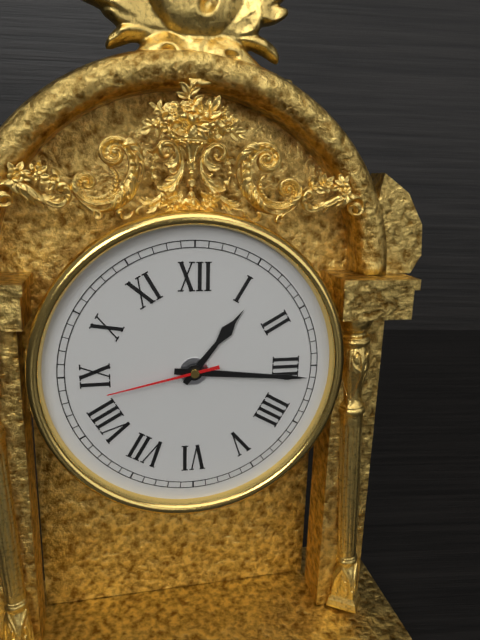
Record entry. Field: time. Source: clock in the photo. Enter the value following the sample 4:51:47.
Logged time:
1:16:43
